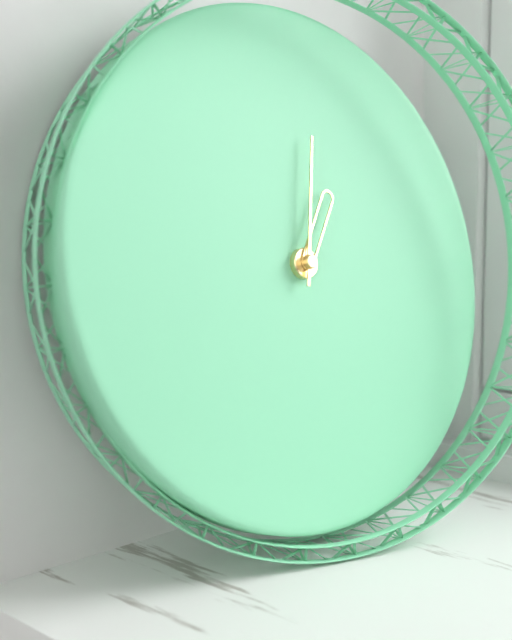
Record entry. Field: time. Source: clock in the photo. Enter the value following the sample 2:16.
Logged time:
1:02
